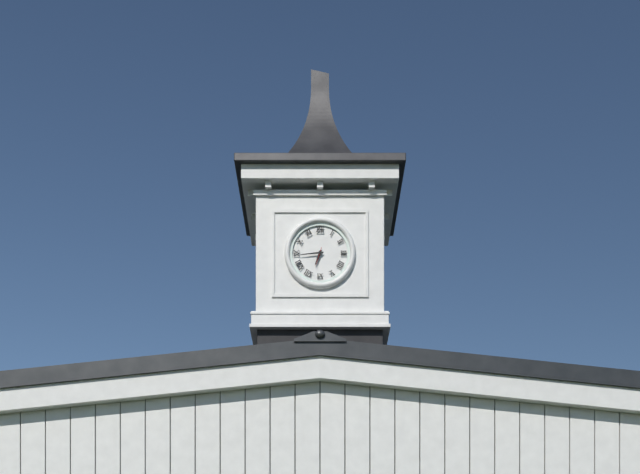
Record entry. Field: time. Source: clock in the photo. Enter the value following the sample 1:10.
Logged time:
6:44
